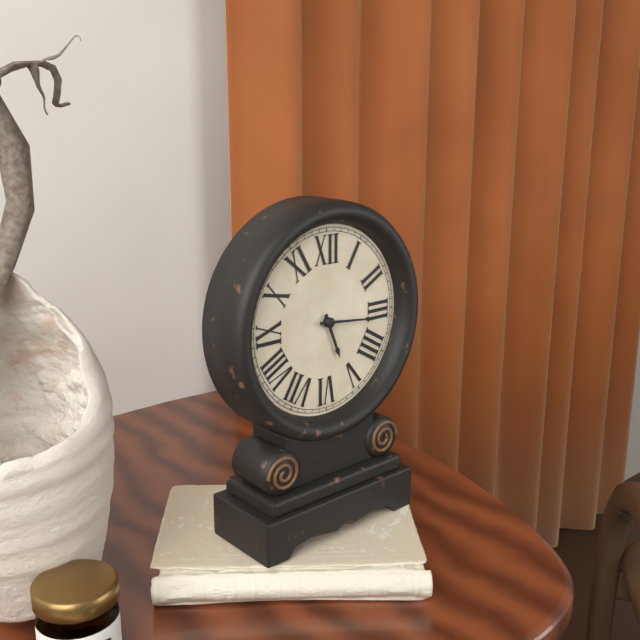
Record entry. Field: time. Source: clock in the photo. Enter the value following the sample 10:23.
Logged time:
5:16
